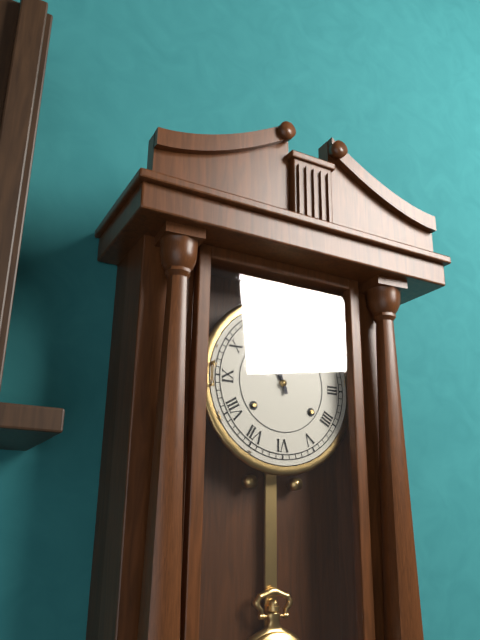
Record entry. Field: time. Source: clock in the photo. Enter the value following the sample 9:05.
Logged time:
10:57
